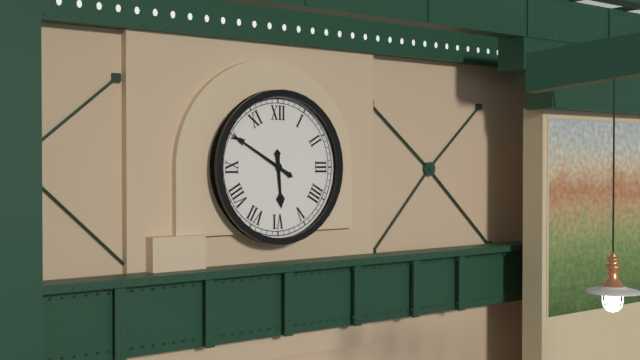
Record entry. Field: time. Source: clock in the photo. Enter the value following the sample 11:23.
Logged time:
5:50
